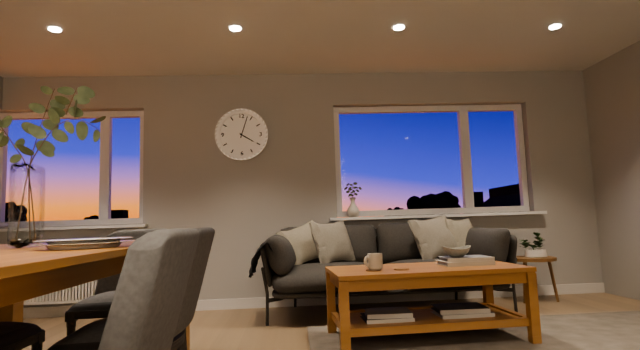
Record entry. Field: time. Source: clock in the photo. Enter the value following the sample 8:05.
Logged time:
4:03
